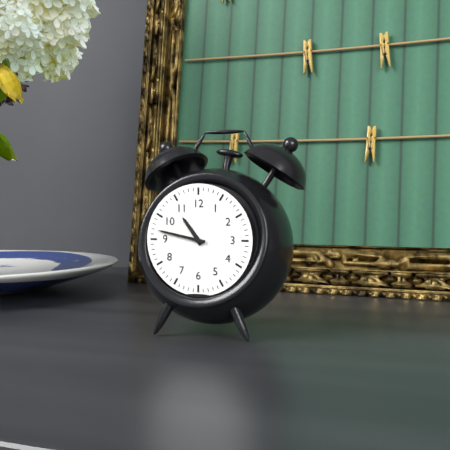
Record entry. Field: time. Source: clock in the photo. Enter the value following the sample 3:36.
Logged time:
10:47
